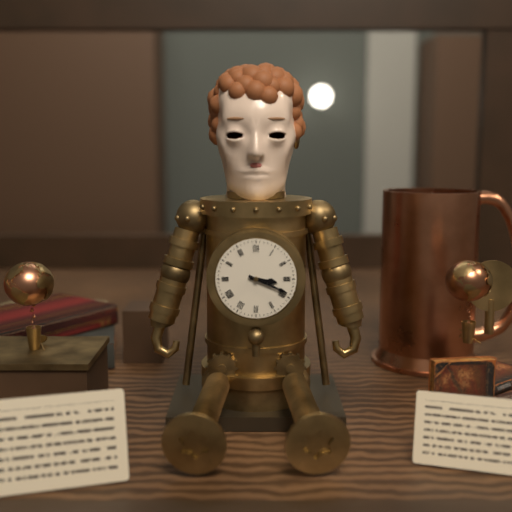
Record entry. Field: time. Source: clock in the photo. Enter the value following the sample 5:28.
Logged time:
3:19
